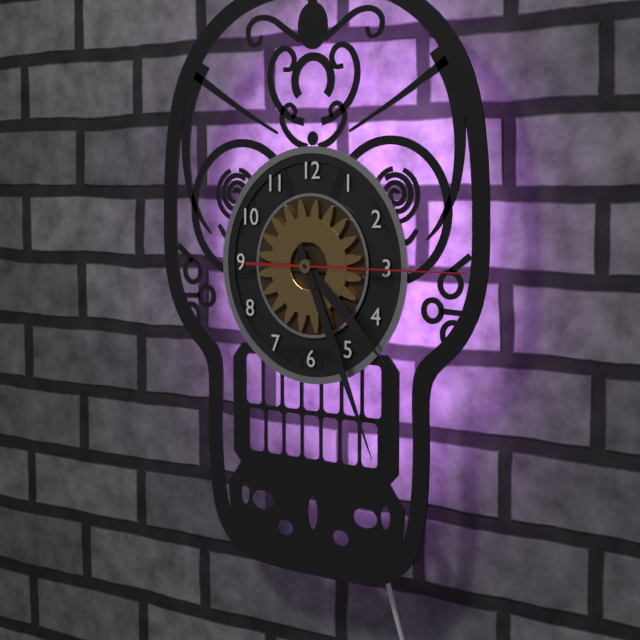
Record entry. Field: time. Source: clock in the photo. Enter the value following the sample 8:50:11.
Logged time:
4:26:15
